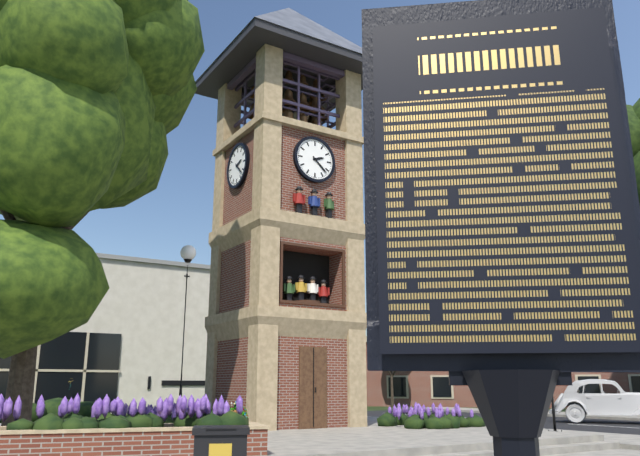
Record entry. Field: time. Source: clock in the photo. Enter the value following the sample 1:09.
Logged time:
2:22
